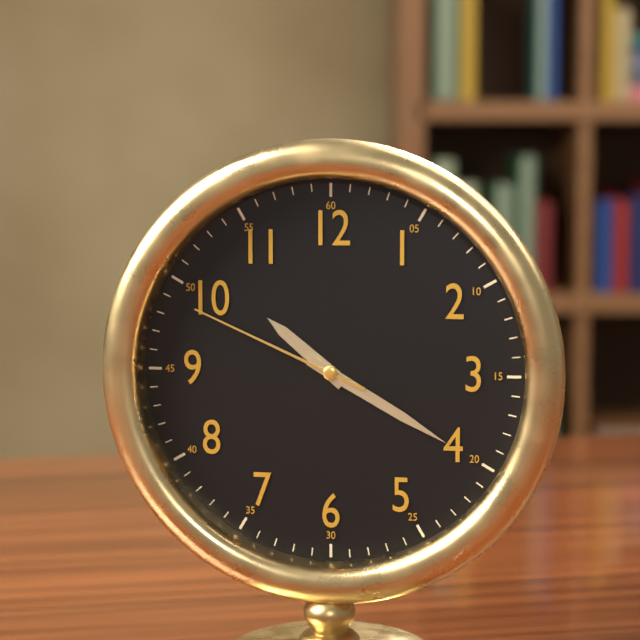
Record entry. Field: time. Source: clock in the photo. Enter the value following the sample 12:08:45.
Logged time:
10:20:49
